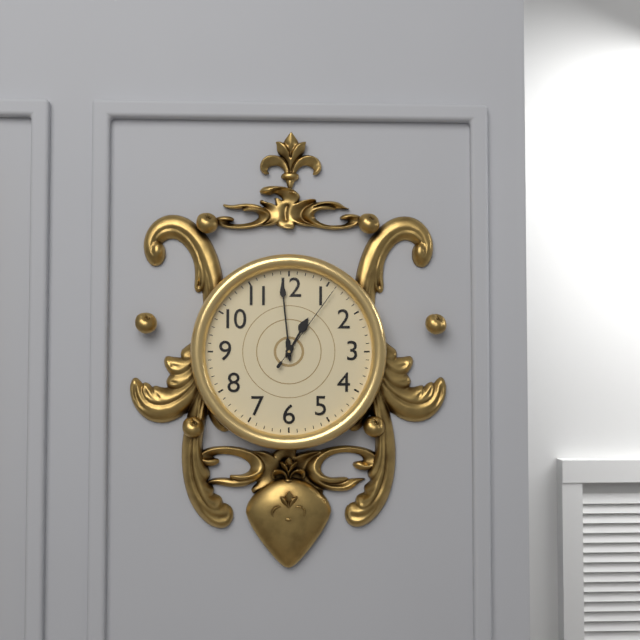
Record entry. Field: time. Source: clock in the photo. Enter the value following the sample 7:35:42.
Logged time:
12:59:06
